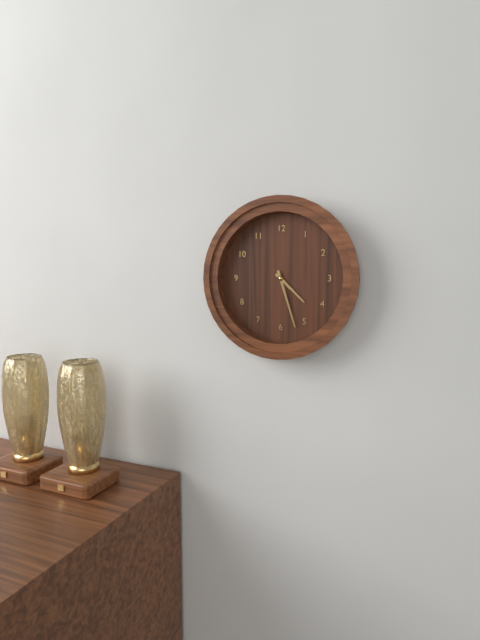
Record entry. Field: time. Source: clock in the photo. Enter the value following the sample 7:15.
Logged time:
4:27
